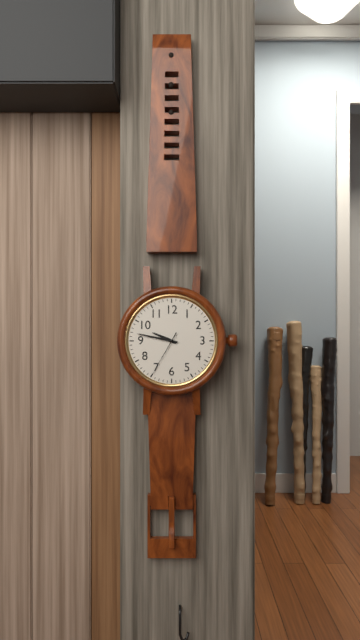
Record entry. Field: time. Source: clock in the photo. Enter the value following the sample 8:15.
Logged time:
9:47
